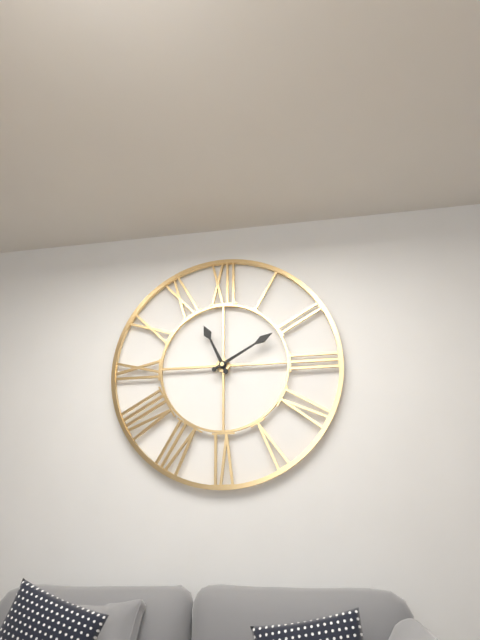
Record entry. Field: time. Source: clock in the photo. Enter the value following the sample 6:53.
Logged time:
11:10
